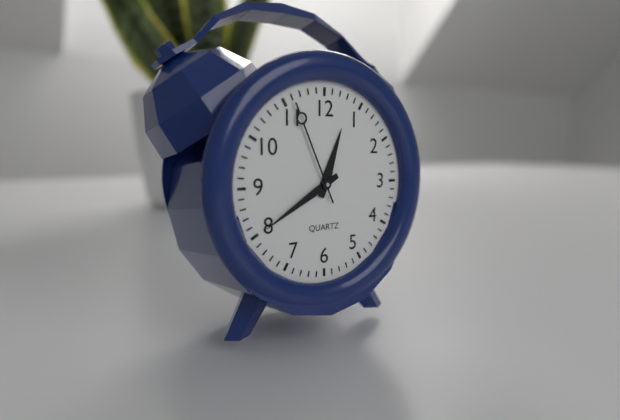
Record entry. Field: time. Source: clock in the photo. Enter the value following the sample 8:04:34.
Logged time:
12:40:56
